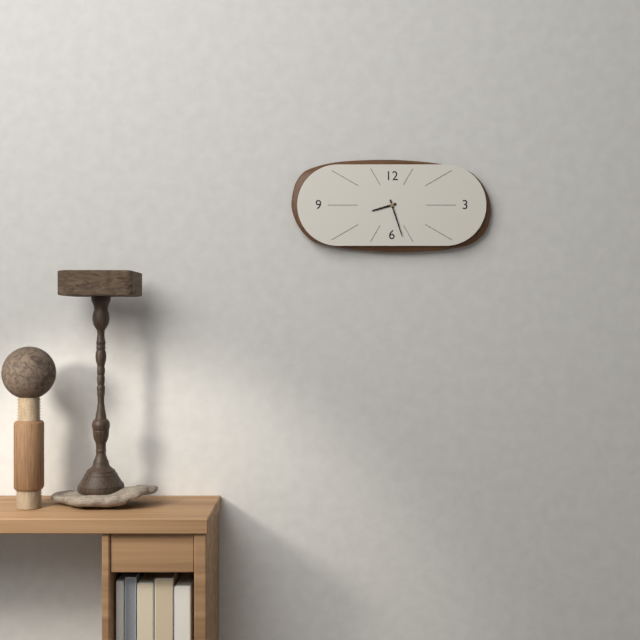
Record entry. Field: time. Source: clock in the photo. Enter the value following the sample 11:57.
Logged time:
8:27
